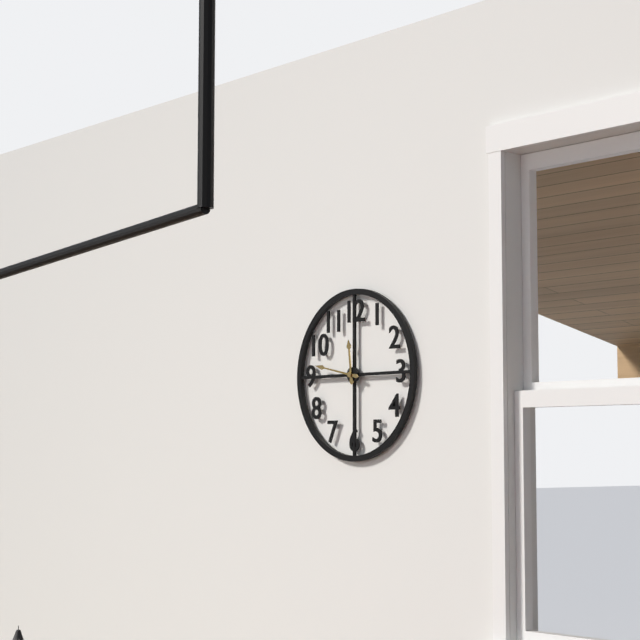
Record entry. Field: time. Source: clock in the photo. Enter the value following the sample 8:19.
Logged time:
11:47
